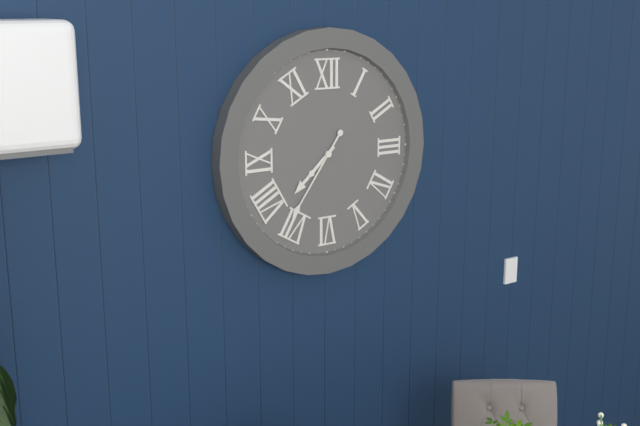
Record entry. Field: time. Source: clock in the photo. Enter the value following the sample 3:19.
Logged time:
7:36
